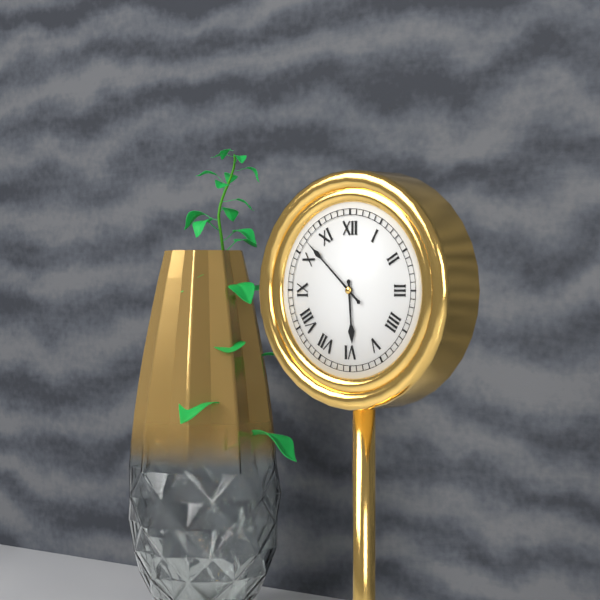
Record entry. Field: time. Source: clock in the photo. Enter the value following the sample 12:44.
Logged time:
5:52
